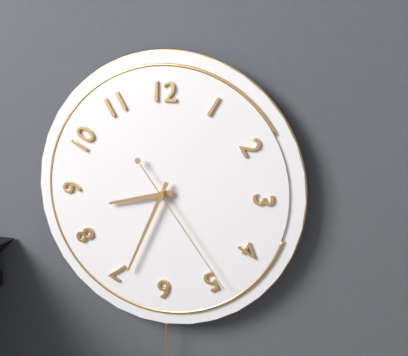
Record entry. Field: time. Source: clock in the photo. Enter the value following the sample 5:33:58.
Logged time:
8:34:24
